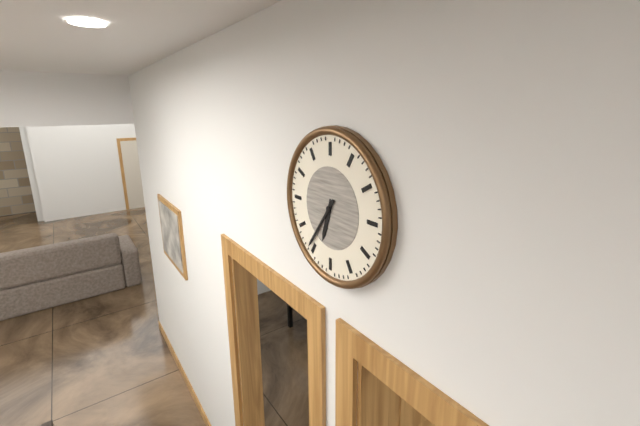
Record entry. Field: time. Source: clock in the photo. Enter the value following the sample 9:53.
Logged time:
6:36
